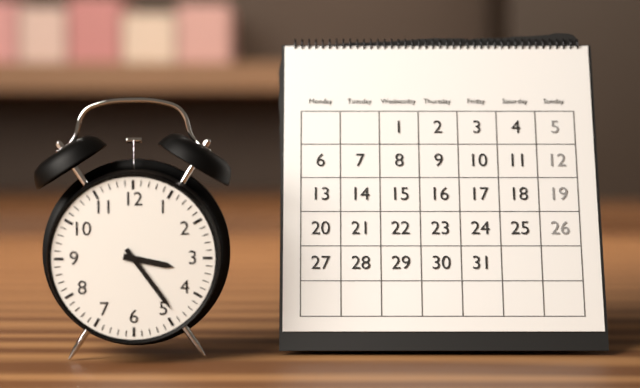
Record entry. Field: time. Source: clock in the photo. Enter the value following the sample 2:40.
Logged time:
3:24
